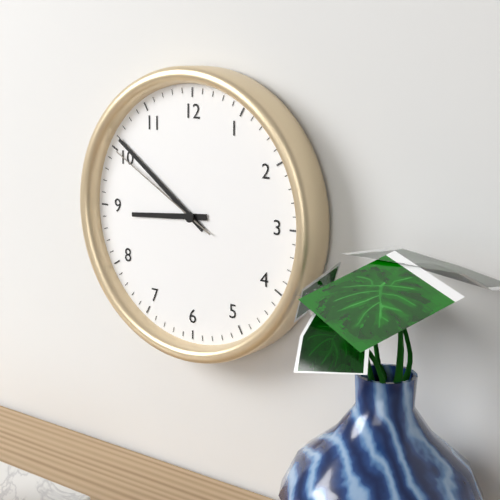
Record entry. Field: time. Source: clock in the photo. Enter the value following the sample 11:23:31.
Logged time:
8:51:50
